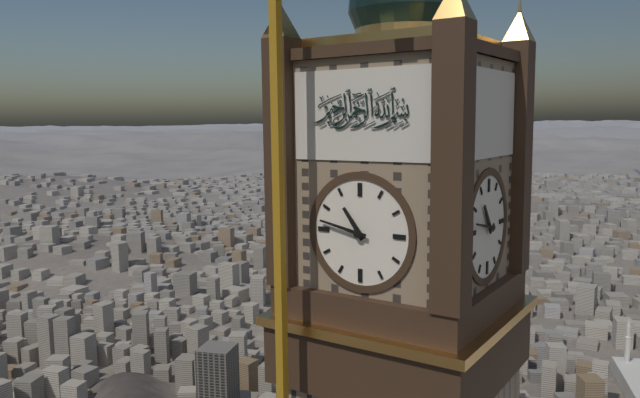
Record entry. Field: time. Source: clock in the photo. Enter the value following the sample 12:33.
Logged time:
10:47
